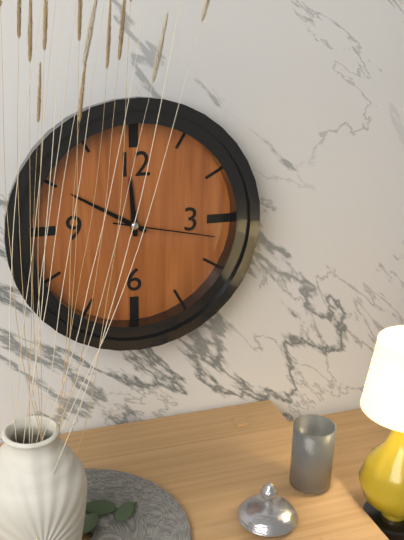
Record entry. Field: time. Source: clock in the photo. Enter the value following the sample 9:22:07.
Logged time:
11:50:17
